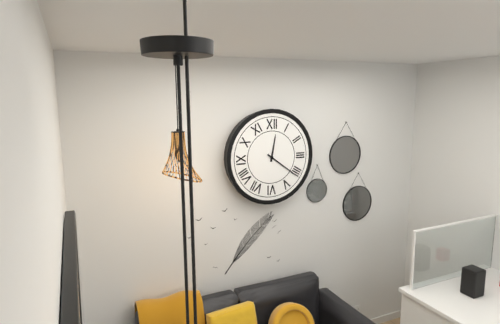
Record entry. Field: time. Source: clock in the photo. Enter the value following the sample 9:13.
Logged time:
12:21
